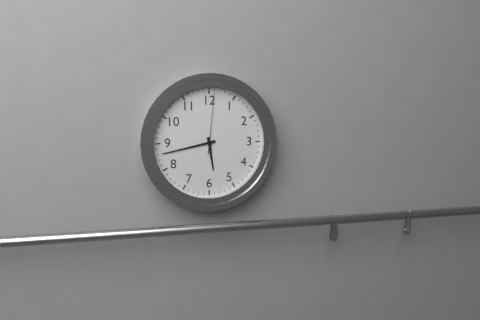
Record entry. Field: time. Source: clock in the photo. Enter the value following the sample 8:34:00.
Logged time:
5:43:01
